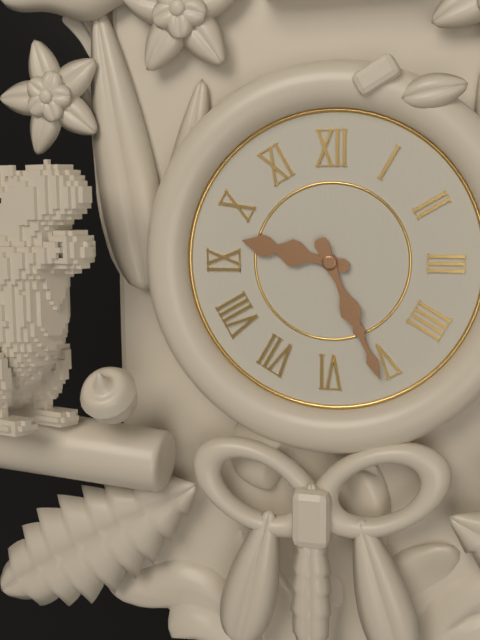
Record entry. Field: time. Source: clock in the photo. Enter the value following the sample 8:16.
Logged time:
9:26
